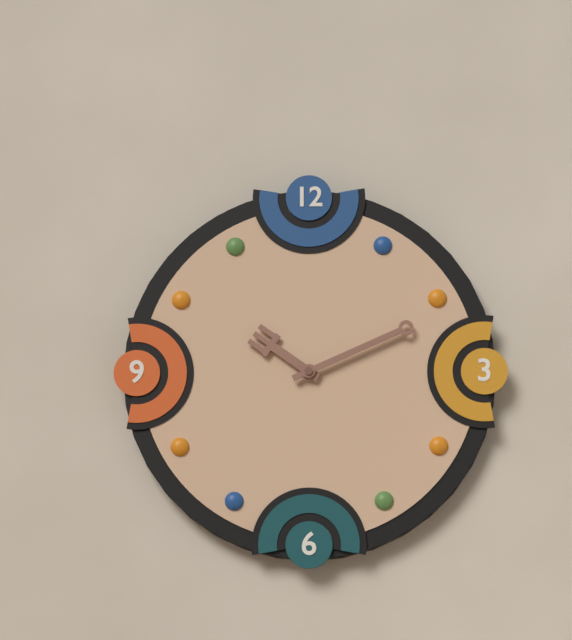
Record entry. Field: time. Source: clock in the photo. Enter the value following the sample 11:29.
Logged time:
10:11
